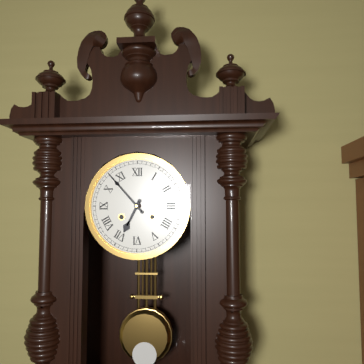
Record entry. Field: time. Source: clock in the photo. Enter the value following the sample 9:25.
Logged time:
6:53
